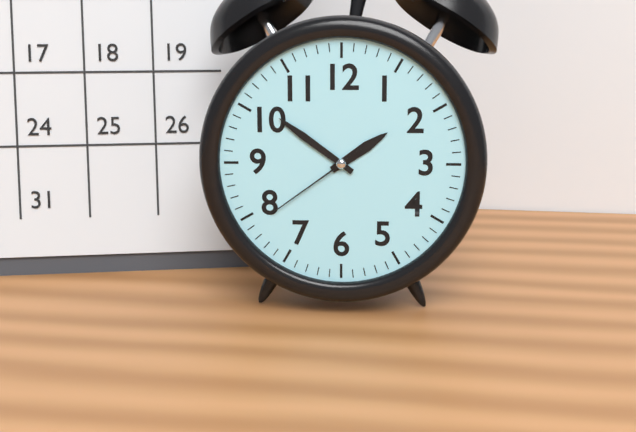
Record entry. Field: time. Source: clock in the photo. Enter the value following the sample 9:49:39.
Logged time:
1:51:39
